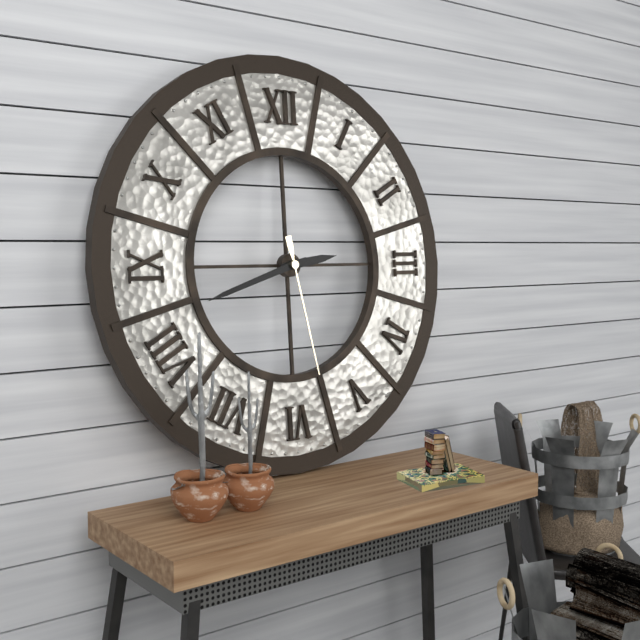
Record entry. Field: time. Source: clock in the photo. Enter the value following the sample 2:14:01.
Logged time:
2:42:28
